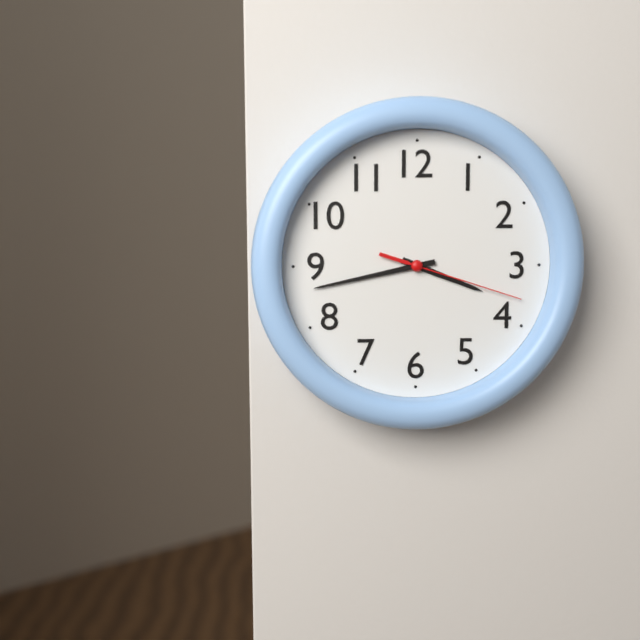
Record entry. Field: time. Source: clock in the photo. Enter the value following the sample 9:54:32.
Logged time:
3:43:18
